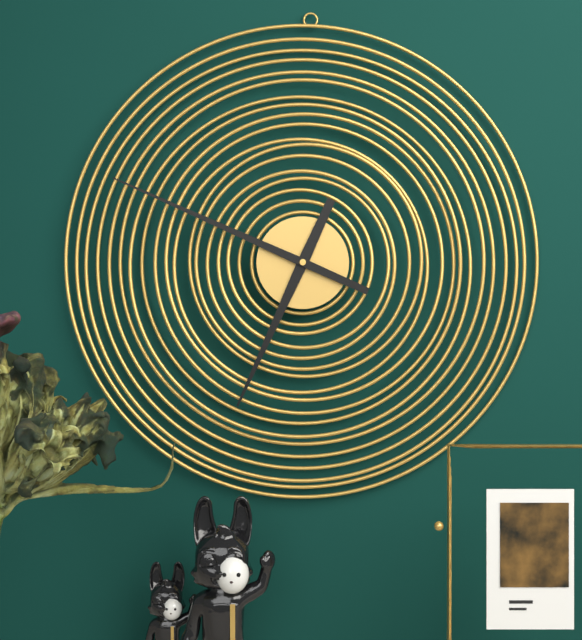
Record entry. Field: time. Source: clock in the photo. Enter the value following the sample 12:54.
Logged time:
6:49
